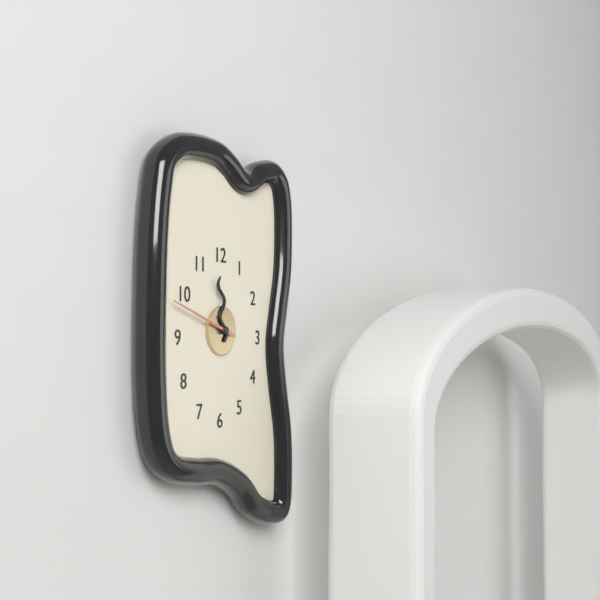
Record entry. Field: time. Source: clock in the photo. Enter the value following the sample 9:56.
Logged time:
11:48
